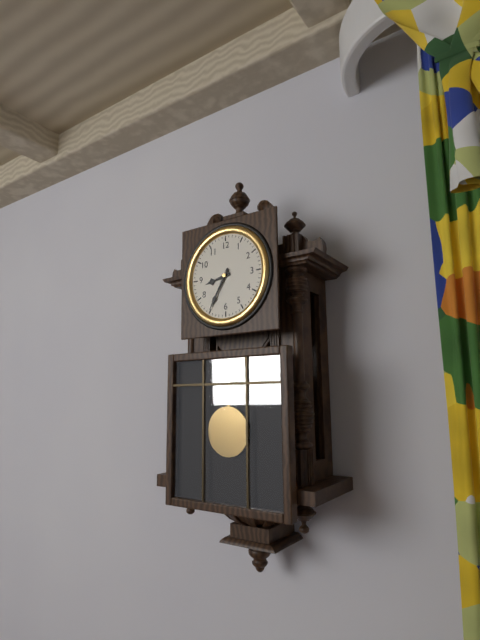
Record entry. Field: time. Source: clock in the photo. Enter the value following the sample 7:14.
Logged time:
8:35
